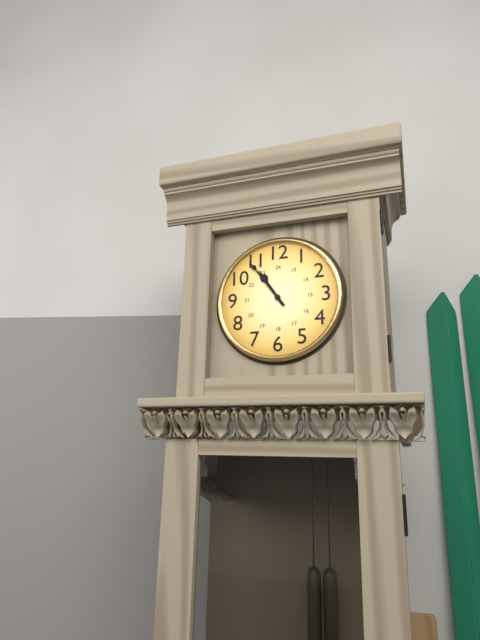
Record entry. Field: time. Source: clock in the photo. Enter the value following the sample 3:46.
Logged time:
10:54
